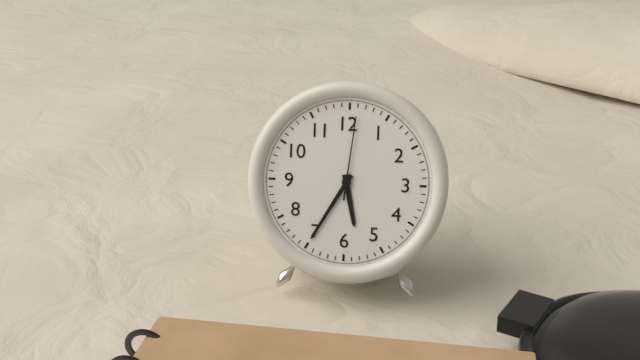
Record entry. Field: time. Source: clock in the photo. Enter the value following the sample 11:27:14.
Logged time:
5:35:01
